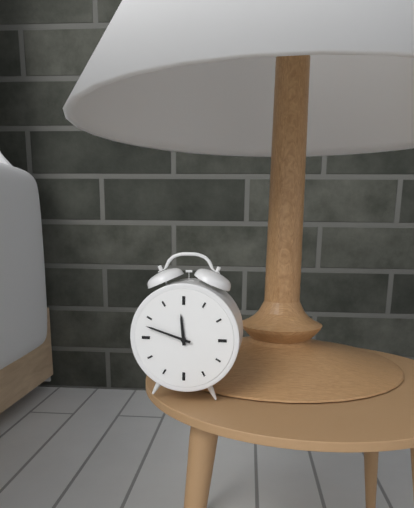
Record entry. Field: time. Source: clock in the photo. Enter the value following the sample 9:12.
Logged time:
11:48
